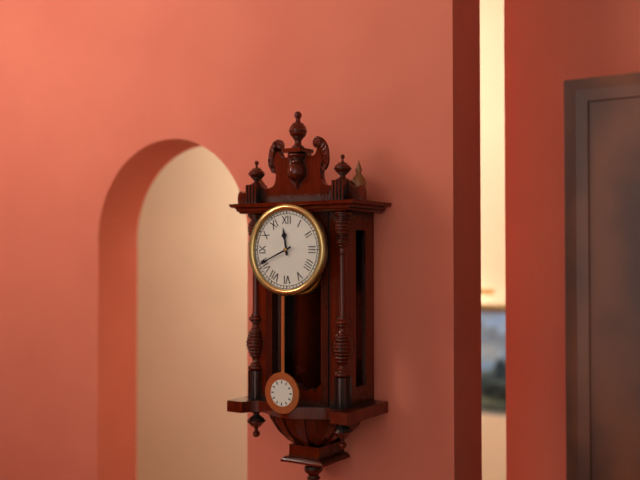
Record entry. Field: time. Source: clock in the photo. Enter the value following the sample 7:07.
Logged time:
11:41
